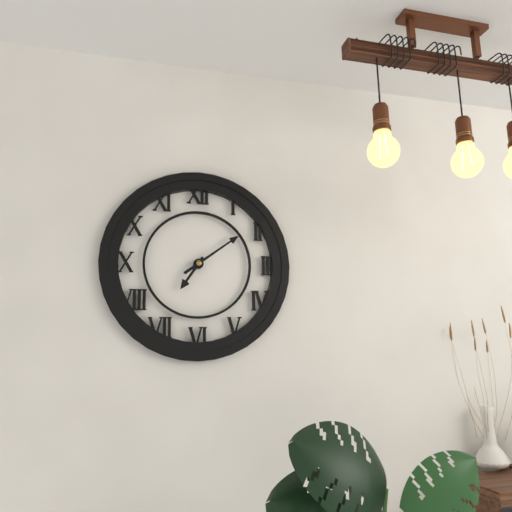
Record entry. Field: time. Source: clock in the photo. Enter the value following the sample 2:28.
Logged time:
7:09
